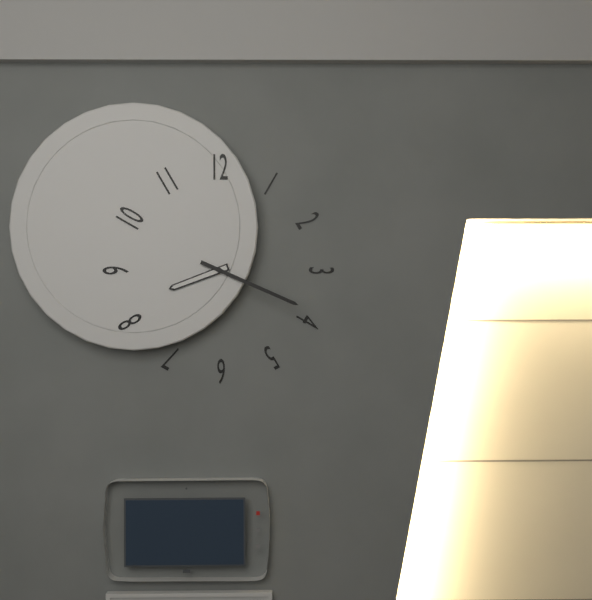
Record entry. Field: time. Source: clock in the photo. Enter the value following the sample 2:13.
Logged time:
8:19
